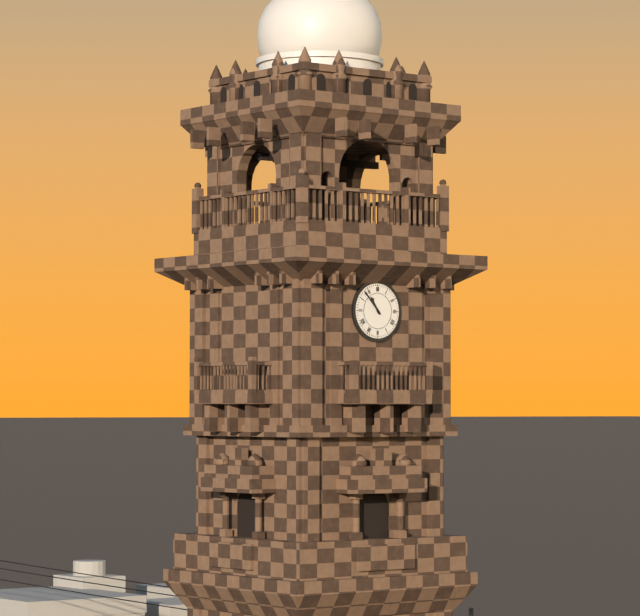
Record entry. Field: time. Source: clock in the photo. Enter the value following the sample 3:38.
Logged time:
10:53
